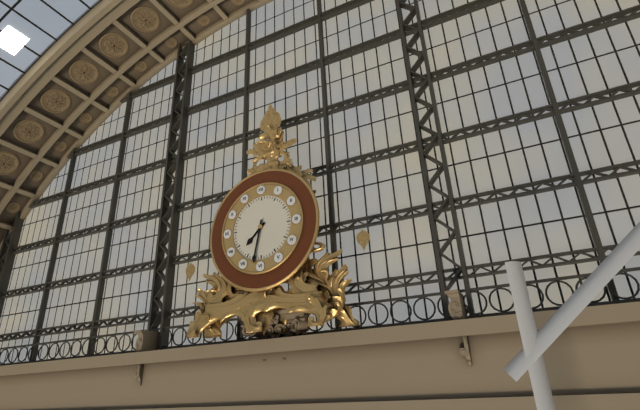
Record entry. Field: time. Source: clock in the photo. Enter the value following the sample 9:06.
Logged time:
7:32
